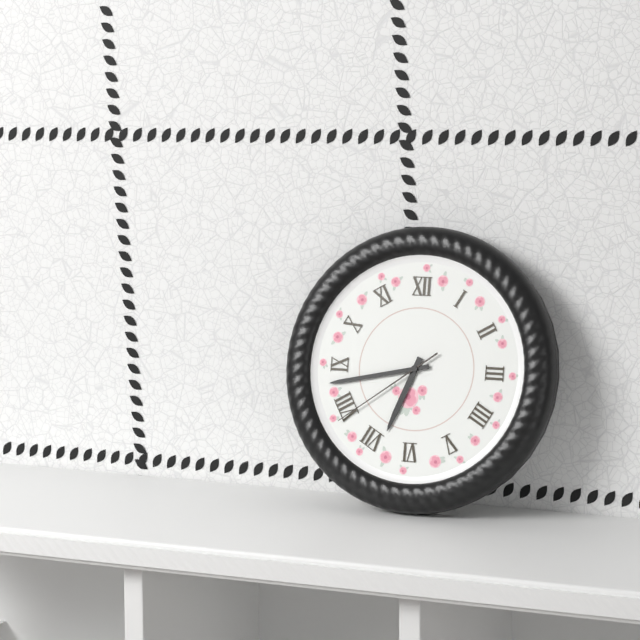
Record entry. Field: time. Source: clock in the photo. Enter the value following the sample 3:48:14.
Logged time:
6:43:39
